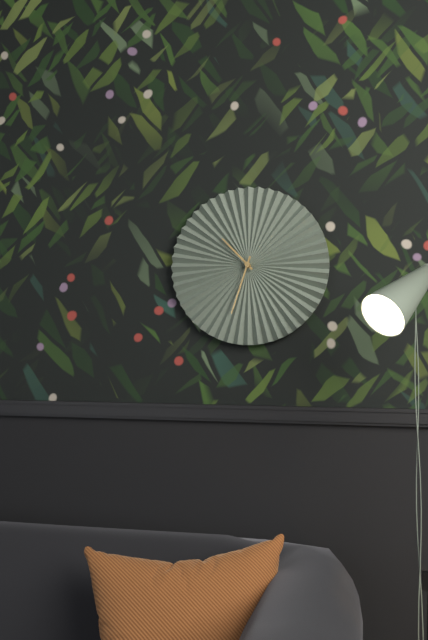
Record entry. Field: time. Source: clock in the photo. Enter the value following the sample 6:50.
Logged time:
10:33
